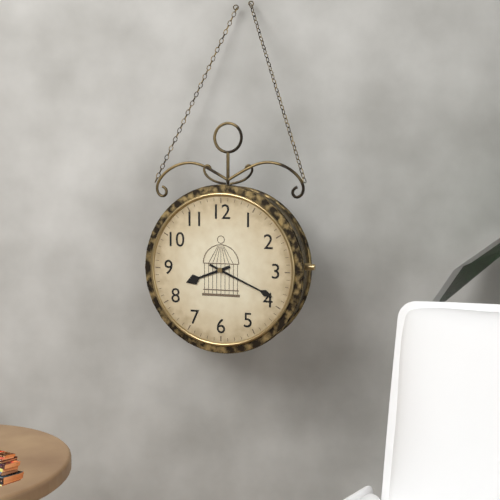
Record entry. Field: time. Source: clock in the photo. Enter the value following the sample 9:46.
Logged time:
8:19
